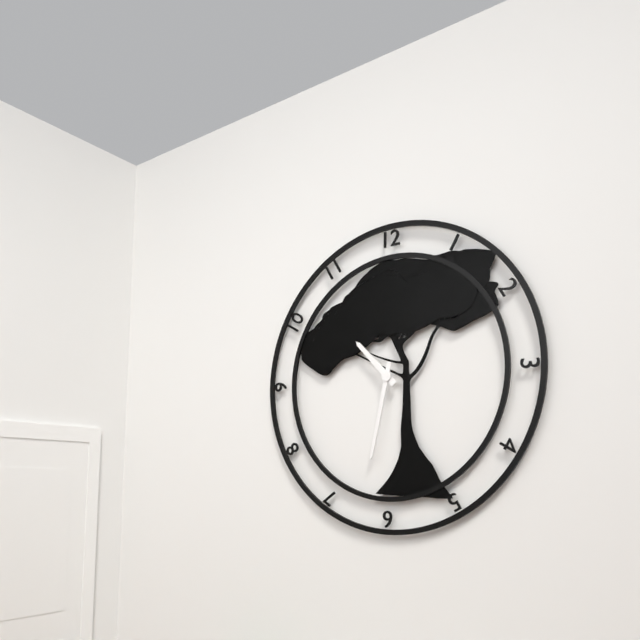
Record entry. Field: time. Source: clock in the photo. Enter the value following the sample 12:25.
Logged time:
10:32
